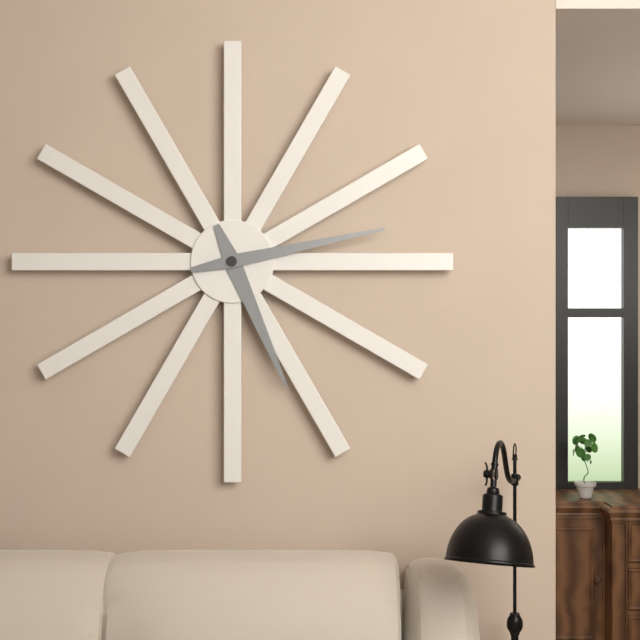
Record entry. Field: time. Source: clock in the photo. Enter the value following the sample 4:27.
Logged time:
5:13
